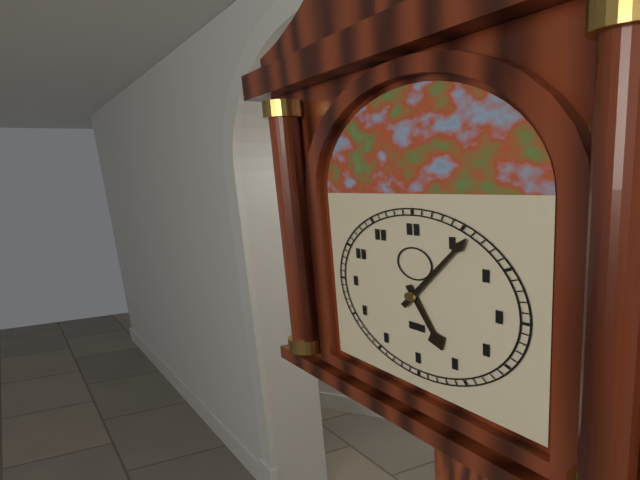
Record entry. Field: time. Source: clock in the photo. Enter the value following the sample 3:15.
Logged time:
5:06
